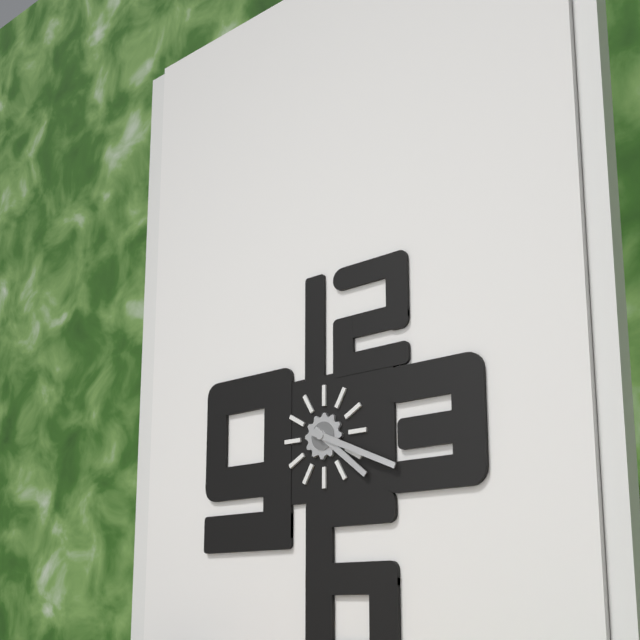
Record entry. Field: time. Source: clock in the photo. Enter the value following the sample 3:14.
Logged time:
4:19
